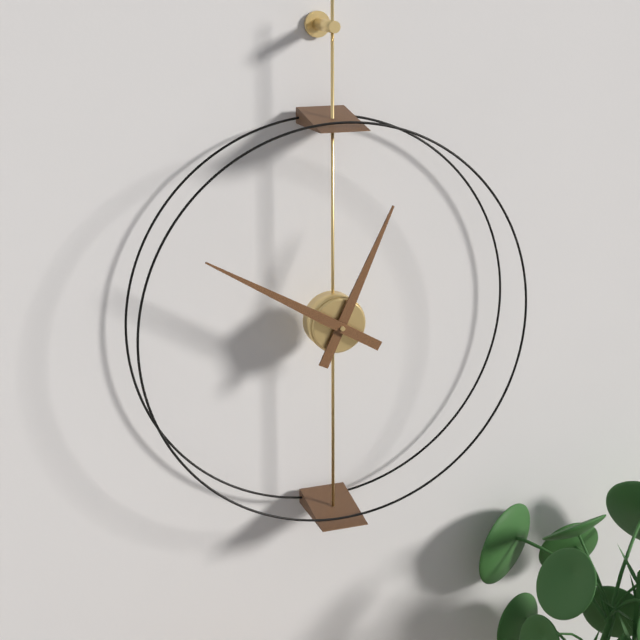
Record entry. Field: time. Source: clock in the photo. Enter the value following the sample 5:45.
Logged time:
12:50
